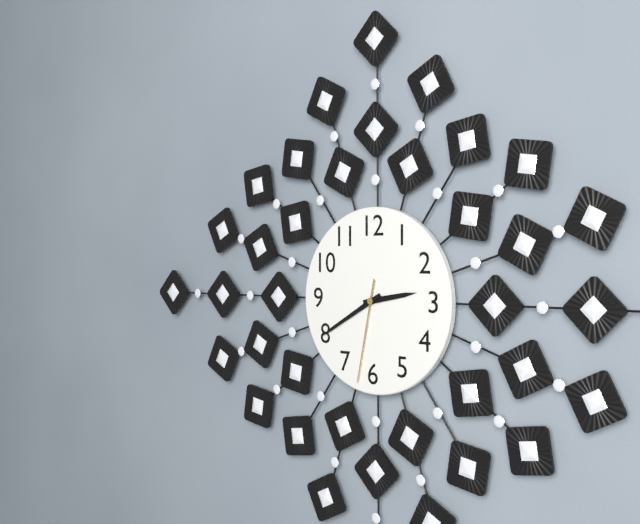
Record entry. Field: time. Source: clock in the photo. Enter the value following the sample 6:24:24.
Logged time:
2:40:32
